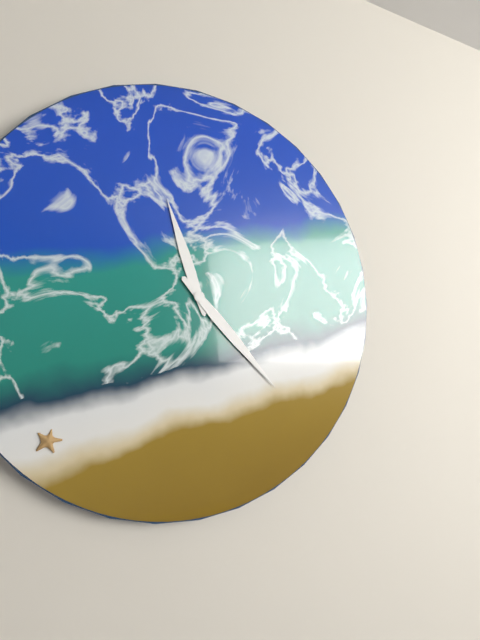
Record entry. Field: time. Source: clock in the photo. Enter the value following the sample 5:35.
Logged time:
11:23
